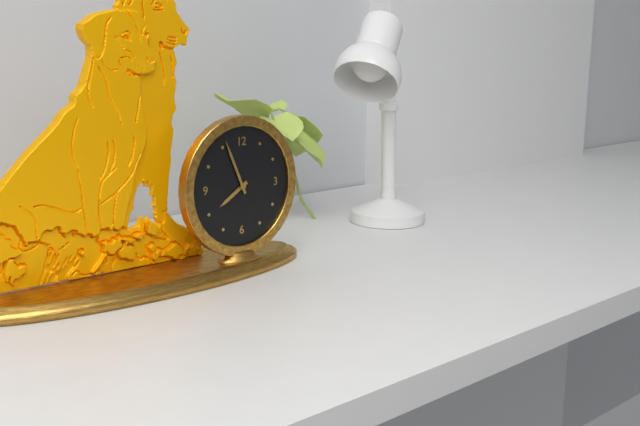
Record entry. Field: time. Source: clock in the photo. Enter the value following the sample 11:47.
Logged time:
7:56
